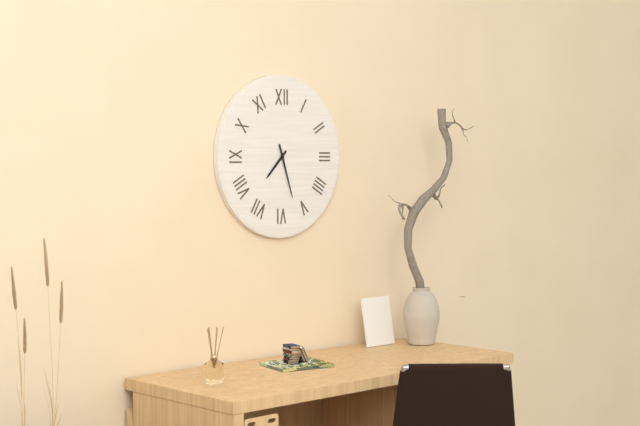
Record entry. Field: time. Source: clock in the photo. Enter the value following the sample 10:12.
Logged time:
7:27
